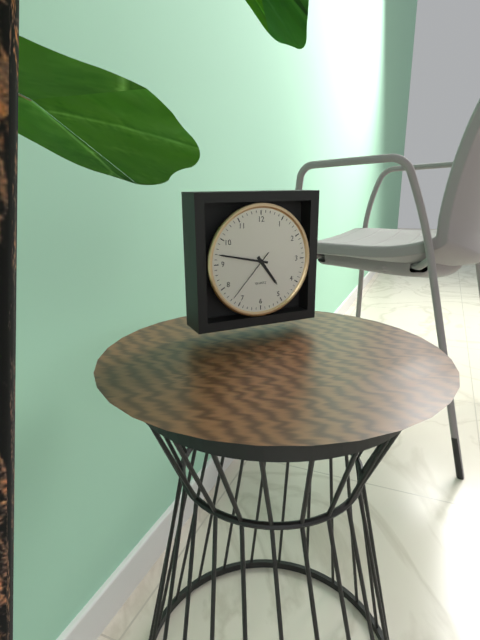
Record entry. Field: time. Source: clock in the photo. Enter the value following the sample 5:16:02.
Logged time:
4:47:37
